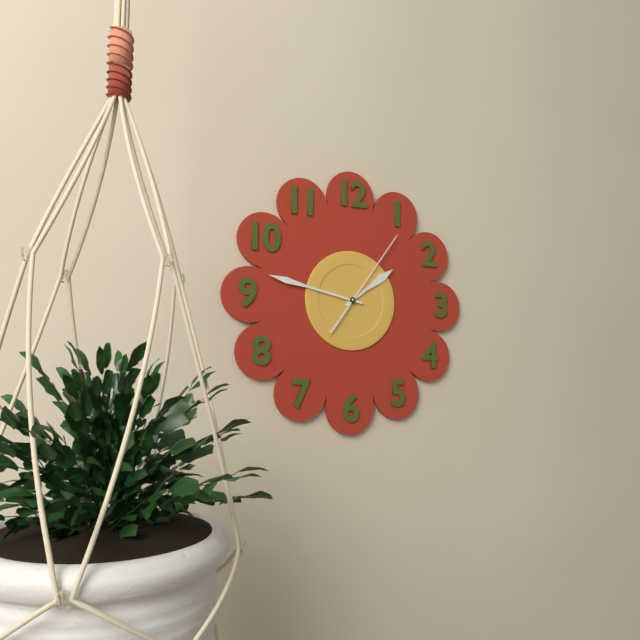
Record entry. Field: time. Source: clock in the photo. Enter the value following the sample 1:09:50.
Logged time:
1:47:06
